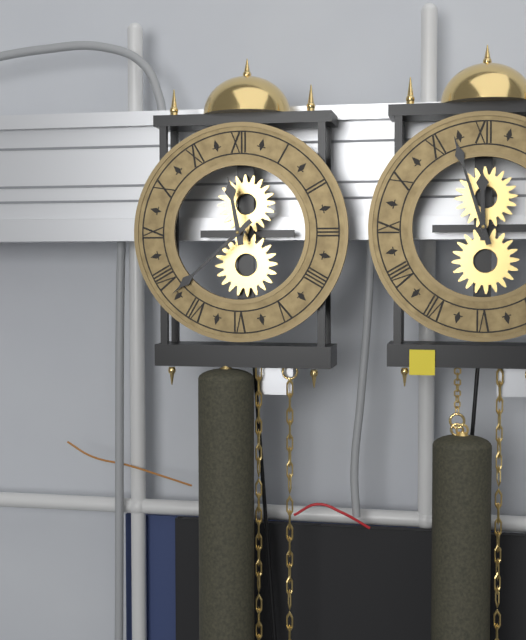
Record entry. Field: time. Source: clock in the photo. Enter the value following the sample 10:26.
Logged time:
11:38
